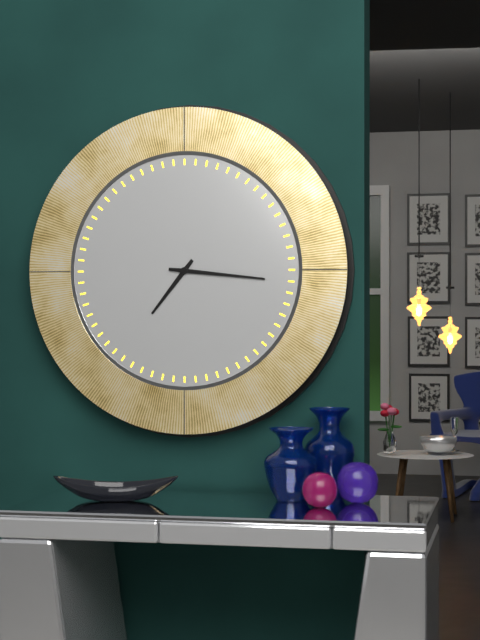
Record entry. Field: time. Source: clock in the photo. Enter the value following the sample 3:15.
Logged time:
7:16
